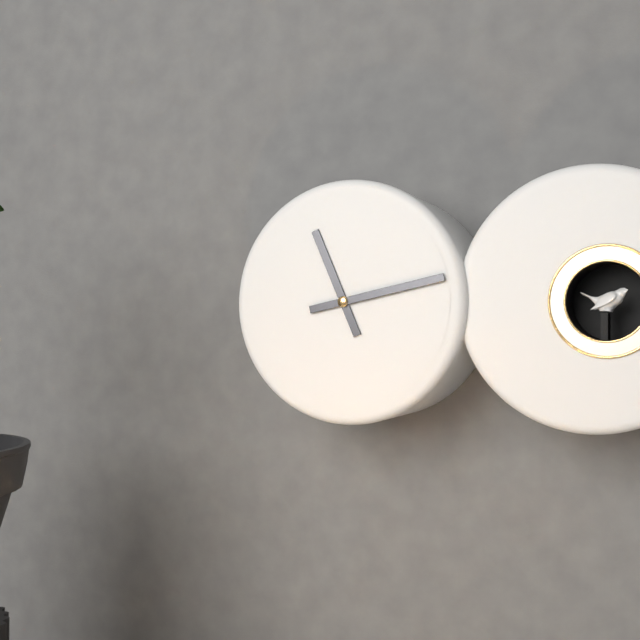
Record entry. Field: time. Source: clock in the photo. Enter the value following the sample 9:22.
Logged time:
11:13
